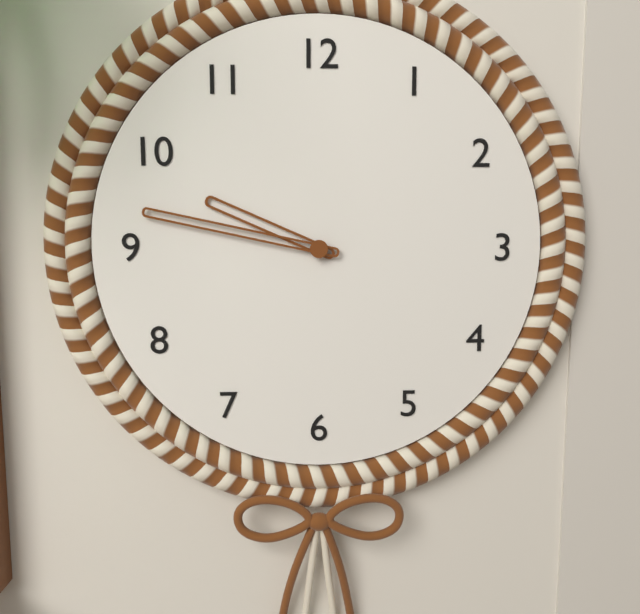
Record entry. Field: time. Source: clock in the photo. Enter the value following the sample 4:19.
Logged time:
9:47
